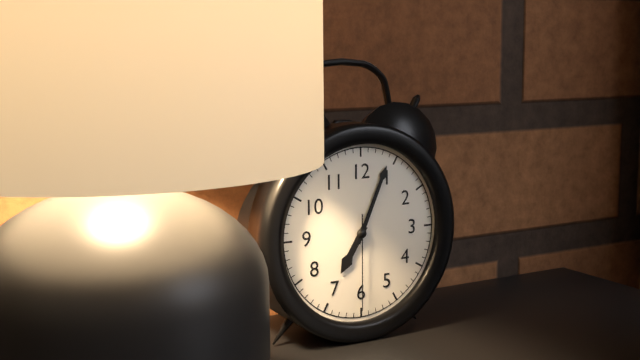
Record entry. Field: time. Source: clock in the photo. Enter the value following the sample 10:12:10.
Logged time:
7:04:30
